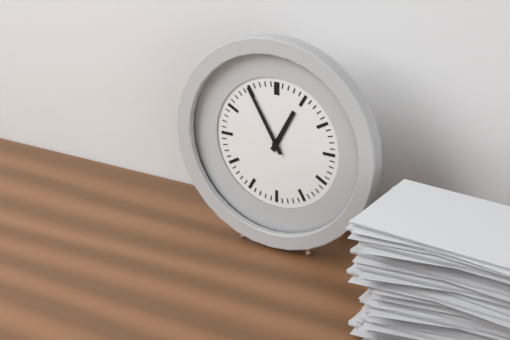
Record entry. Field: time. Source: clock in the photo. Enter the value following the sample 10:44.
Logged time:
12:55
